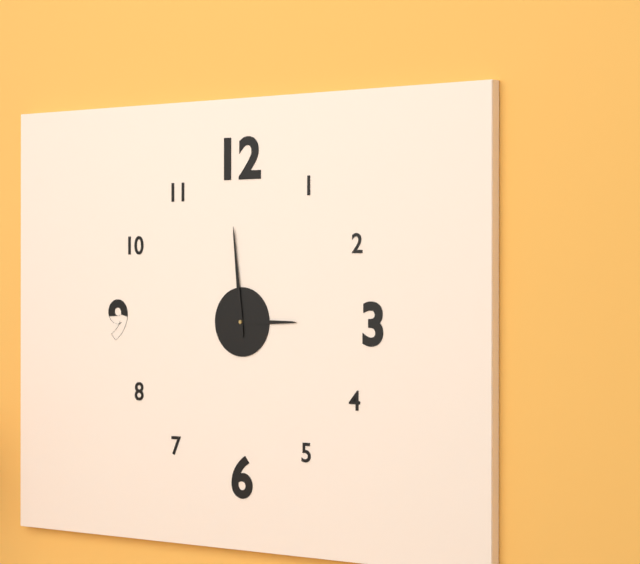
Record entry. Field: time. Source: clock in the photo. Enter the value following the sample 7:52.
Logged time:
2:59
